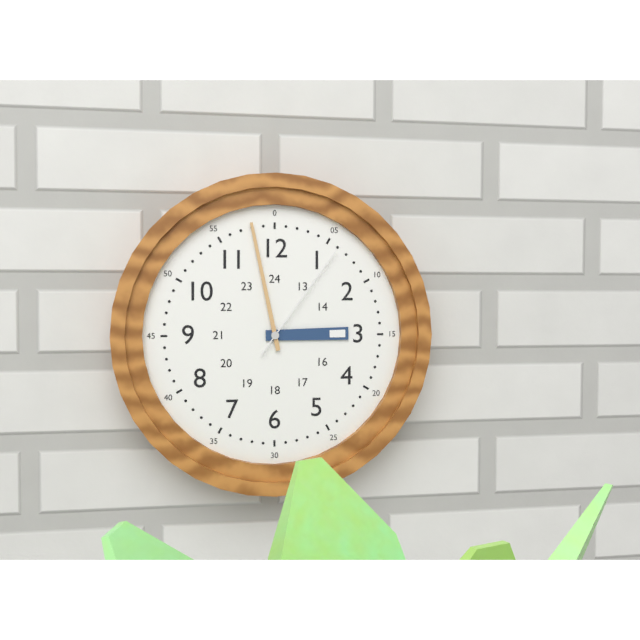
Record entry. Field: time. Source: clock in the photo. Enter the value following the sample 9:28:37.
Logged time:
2:58:06
